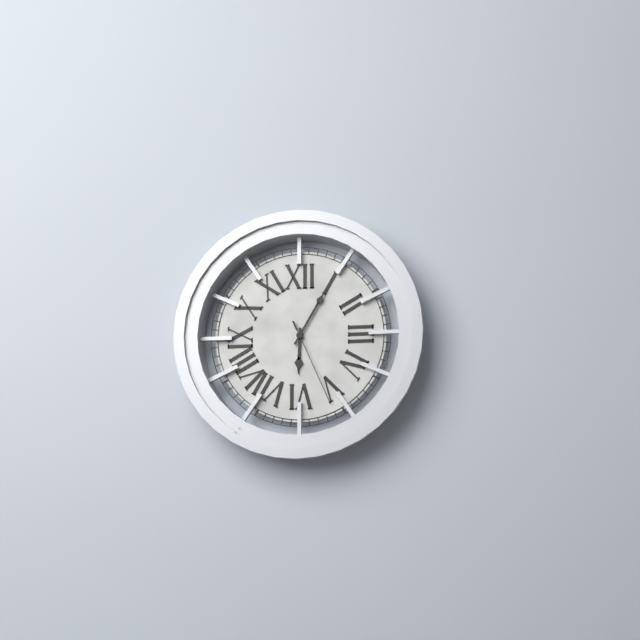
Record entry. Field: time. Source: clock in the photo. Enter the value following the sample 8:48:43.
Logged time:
6:05:26
